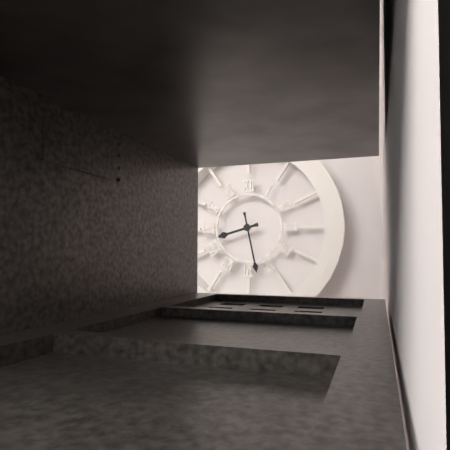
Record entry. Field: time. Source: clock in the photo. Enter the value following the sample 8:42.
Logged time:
8:28
